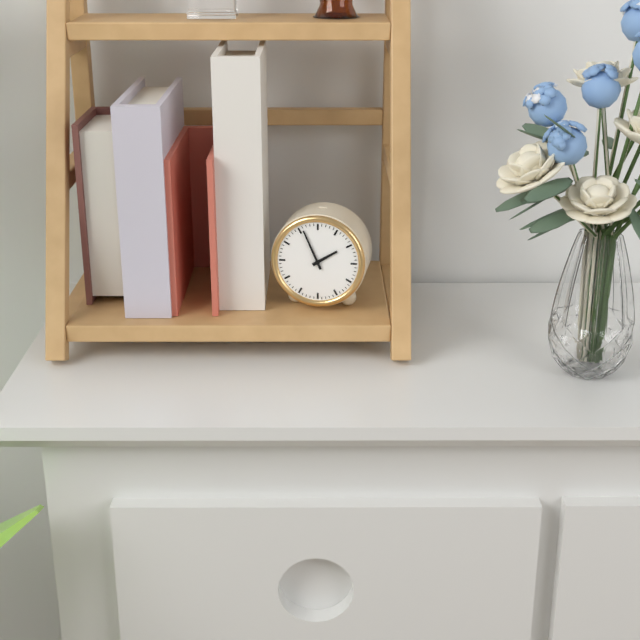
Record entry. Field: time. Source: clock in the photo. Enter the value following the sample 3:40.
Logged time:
1:56
